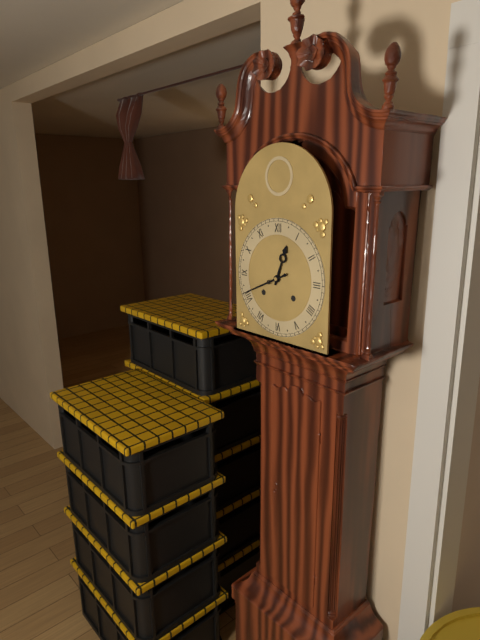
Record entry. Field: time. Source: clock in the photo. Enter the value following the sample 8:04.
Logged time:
12:41
